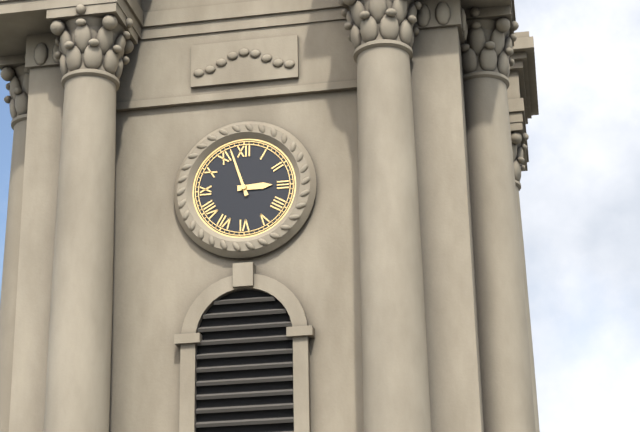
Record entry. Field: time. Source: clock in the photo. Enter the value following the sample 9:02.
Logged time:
2:57
